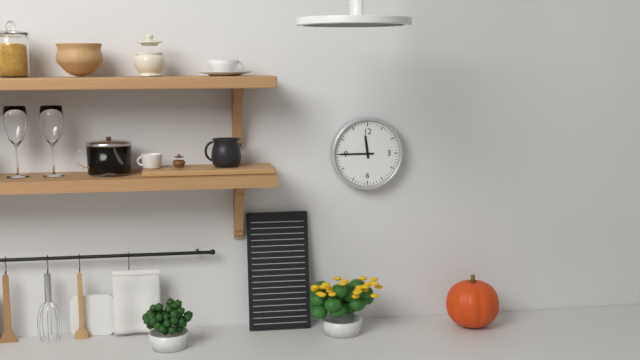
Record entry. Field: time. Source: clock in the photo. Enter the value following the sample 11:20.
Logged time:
11:45
